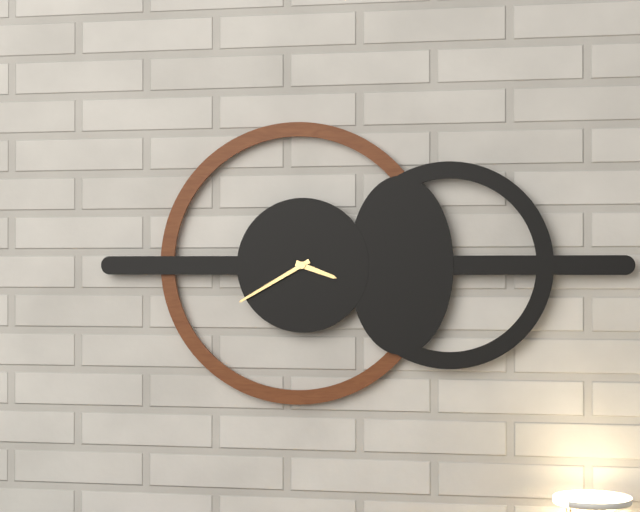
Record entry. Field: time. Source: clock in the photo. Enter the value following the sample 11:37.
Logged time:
3:40
